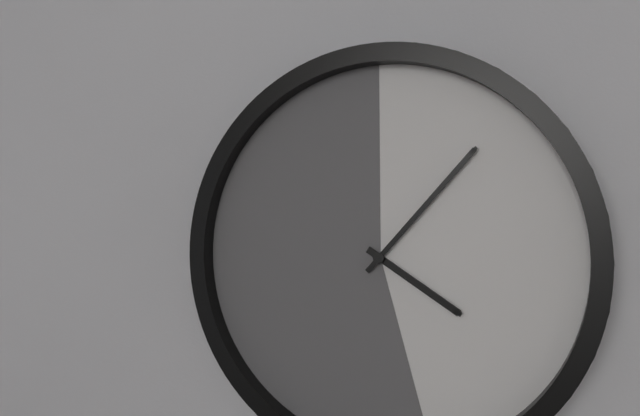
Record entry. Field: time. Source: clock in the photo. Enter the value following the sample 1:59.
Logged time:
4:07
